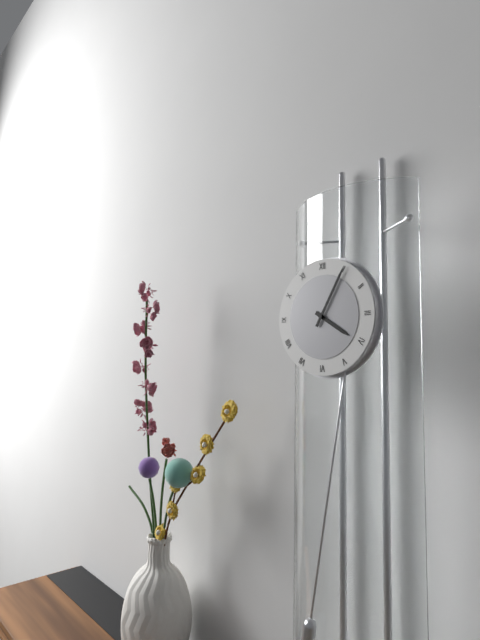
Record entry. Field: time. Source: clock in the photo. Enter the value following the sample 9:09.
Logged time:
4:05
